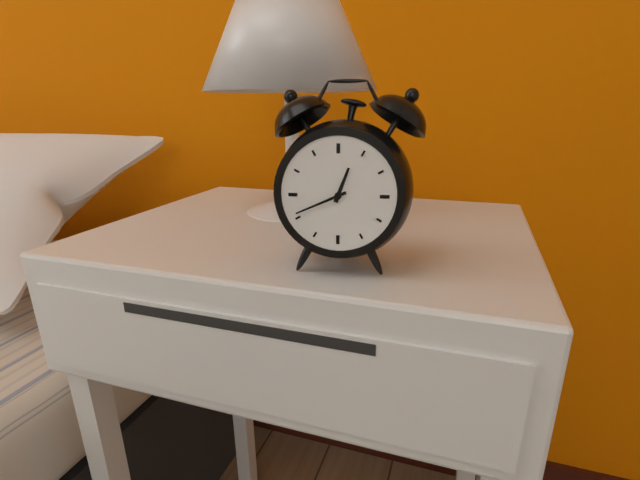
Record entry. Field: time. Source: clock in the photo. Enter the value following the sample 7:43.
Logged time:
12:41
